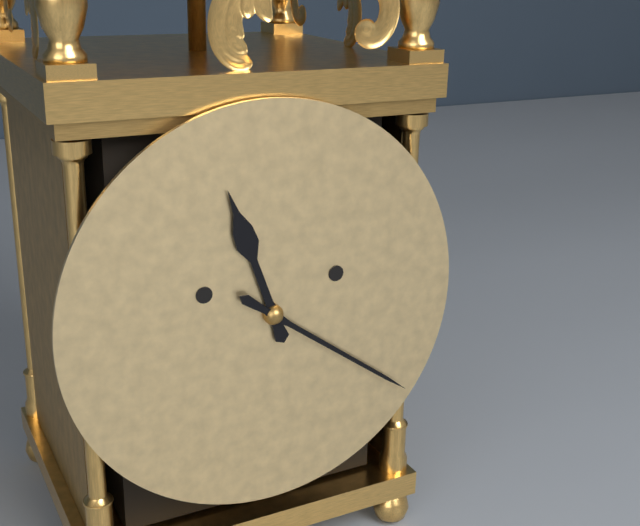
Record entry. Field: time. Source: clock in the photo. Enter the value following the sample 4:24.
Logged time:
11:21
